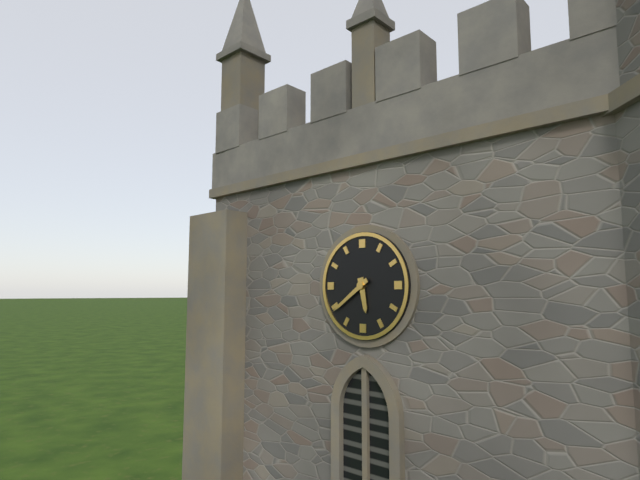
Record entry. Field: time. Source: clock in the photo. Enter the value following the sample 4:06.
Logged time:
5:39
